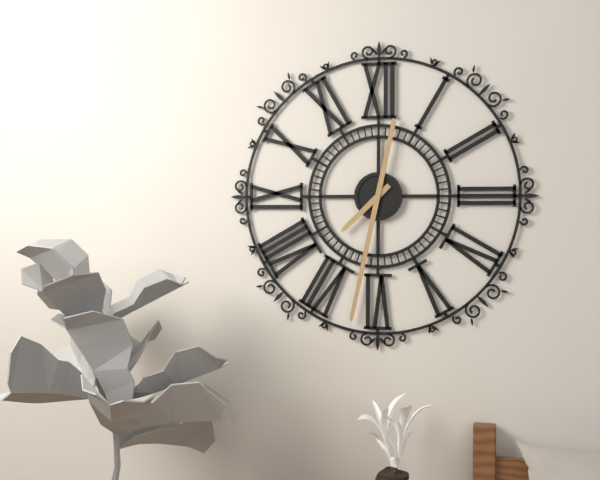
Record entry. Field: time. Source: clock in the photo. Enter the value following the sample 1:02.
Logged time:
7:32
